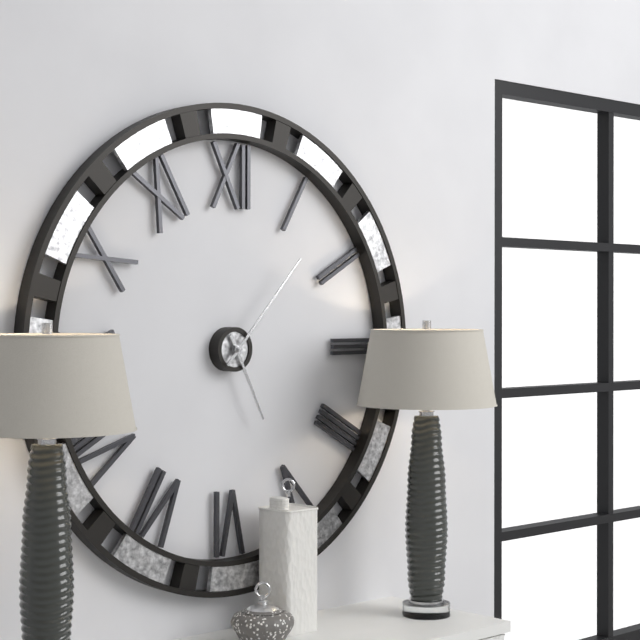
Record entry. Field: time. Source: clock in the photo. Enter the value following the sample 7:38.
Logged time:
5:07
